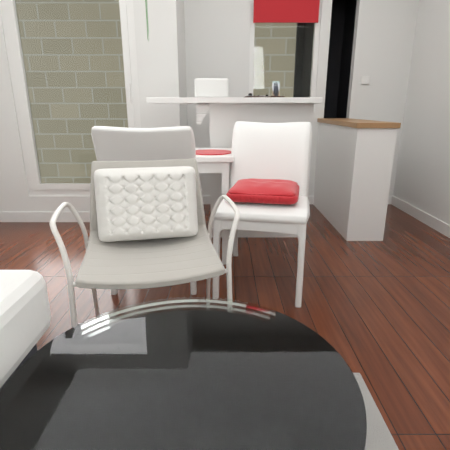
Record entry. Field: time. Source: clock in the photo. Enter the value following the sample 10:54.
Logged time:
5:19
